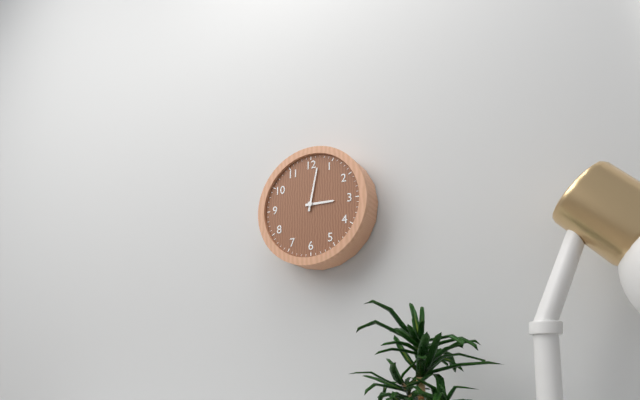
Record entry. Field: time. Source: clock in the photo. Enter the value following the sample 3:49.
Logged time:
3:02
